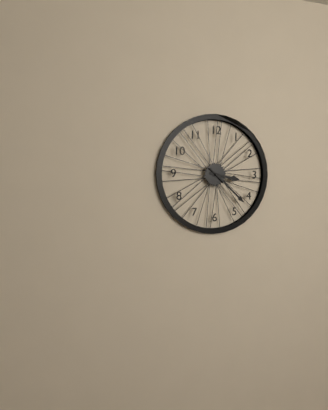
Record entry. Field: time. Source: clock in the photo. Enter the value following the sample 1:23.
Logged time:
3:22
